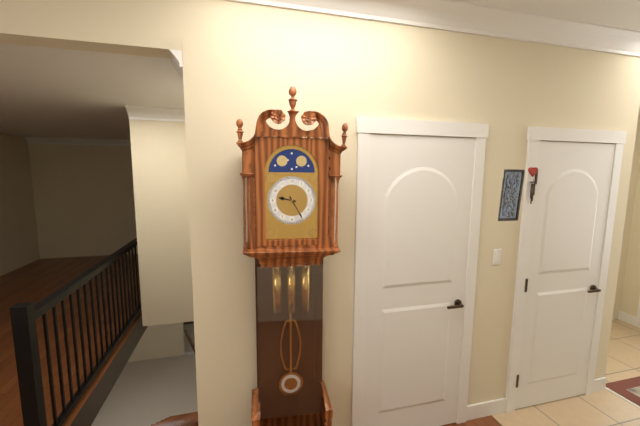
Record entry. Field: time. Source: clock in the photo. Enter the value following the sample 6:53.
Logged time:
9:25
